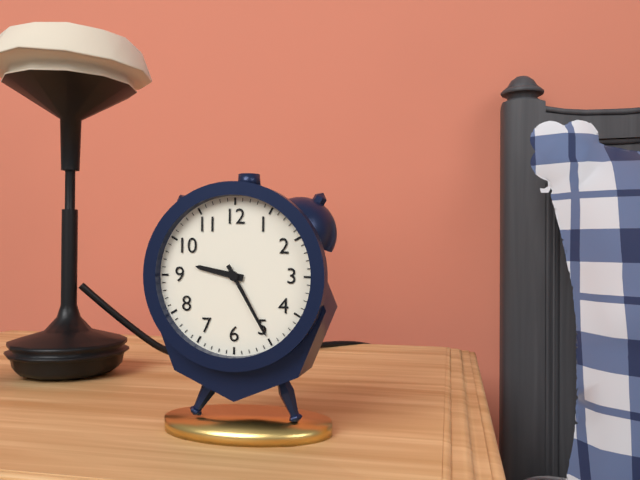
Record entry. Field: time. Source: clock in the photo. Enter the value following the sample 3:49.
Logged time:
9:25
